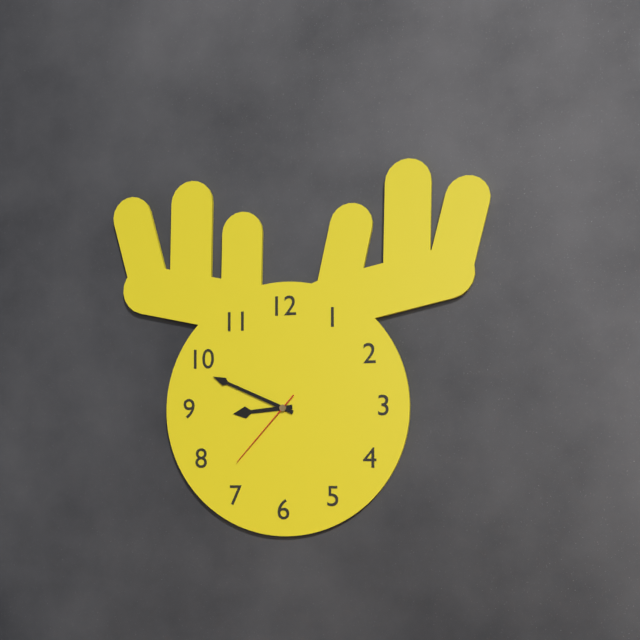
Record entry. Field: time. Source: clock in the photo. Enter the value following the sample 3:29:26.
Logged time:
8:49:37
